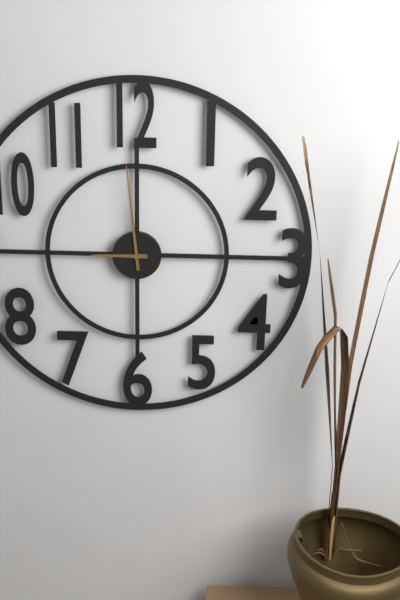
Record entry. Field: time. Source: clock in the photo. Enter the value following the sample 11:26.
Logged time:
8:59
